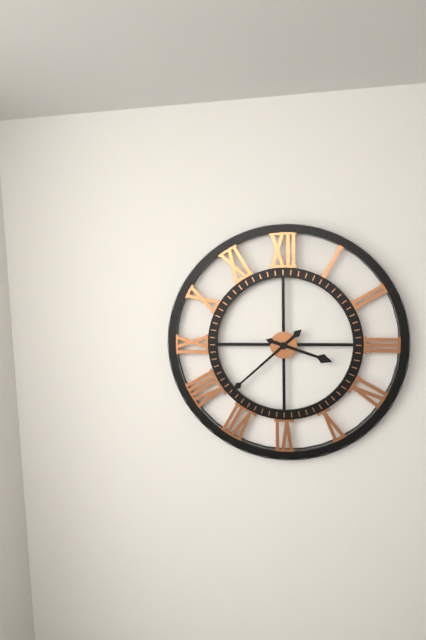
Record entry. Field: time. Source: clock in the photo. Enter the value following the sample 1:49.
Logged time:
3:38
